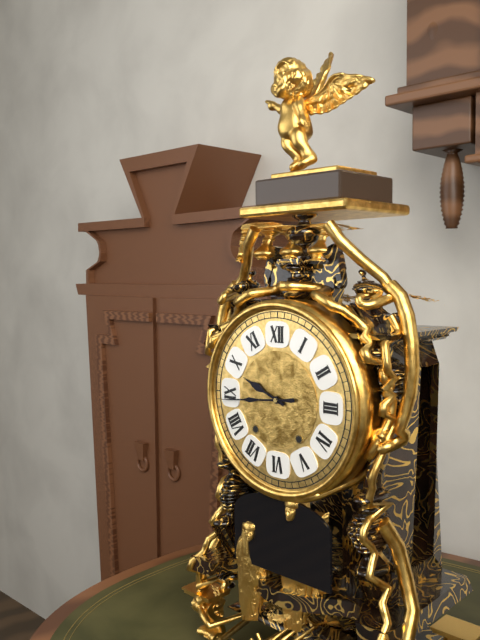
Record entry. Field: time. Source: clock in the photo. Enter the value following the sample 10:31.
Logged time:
9:44
